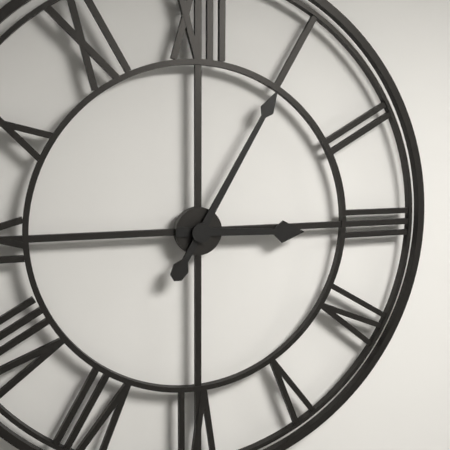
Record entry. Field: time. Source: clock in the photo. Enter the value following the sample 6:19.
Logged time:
3:05
